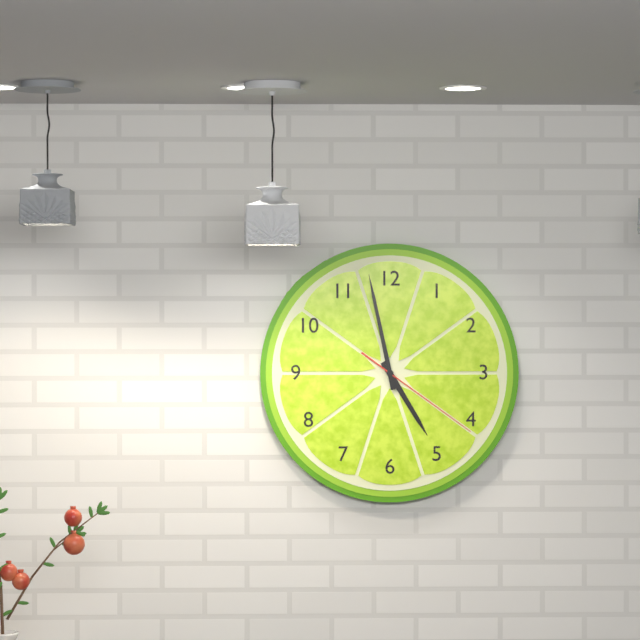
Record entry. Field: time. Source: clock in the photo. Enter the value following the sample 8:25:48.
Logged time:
4:58:21
